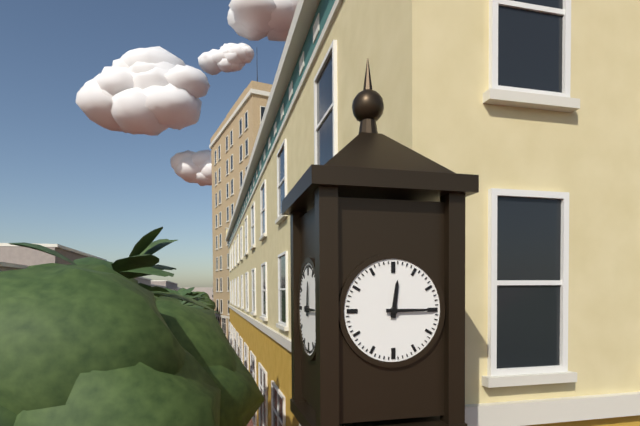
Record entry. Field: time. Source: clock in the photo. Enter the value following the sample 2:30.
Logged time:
12:15
